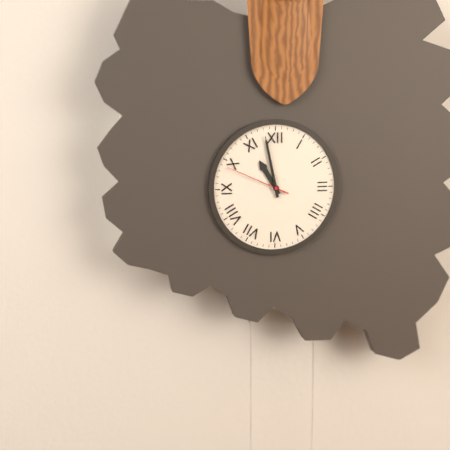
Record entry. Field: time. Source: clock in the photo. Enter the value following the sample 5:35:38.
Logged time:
10:58:49
